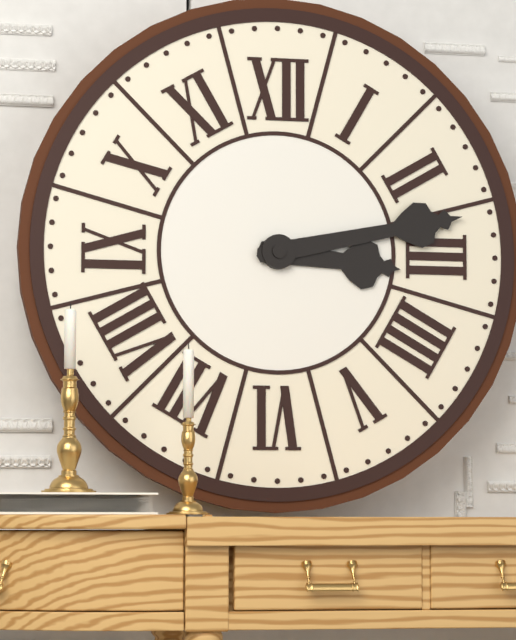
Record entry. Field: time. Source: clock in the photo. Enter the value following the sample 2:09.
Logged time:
3:13
